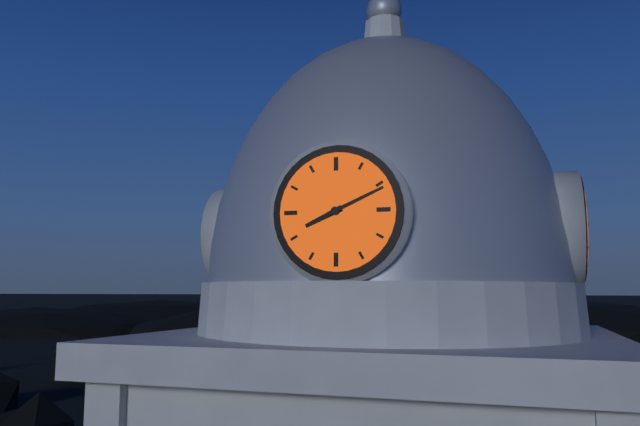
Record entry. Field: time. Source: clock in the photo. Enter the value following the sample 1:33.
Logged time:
8:11
